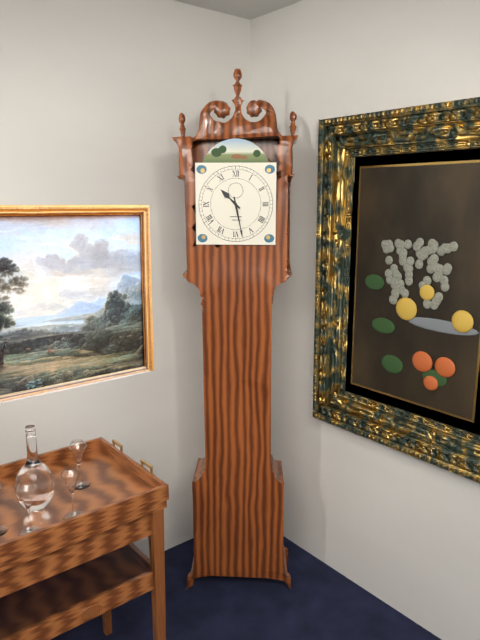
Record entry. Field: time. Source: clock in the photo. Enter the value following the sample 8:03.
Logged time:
10:28
